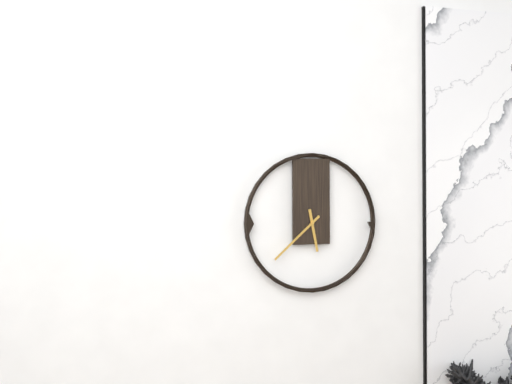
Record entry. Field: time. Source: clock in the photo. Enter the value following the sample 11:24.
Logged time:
5:38
